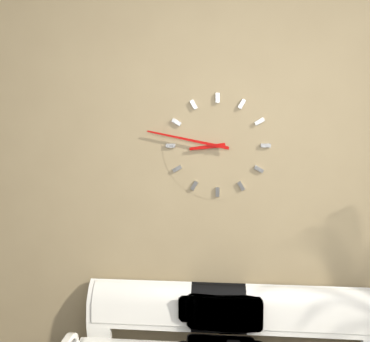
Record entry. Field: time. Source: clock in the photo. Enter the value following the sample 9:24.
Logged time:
8:47
